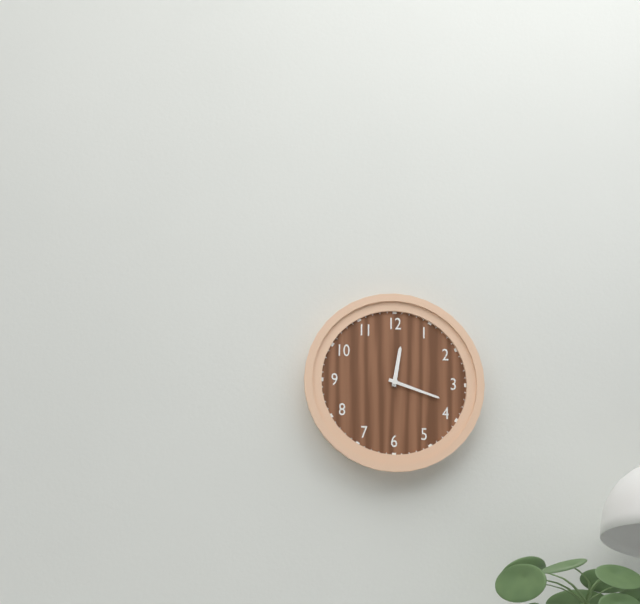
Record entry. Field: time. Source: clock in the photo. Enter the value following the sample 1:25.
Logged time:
12:18
